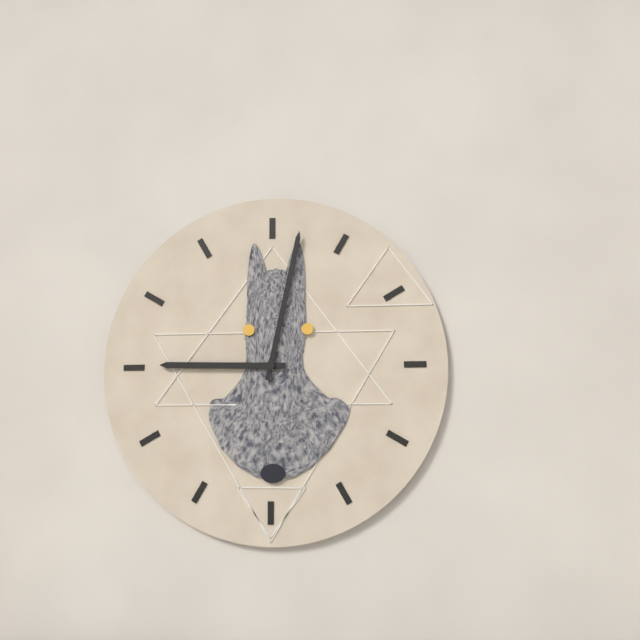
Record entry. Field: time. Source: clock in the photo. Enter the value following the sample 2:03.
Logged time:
9:02
